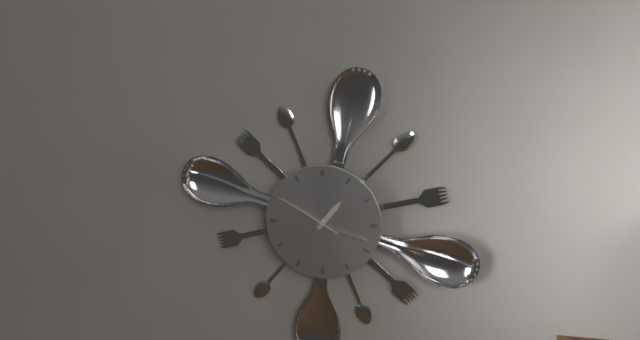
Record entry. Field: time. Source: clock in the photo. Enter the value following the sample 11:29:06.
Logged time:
1:18:50
